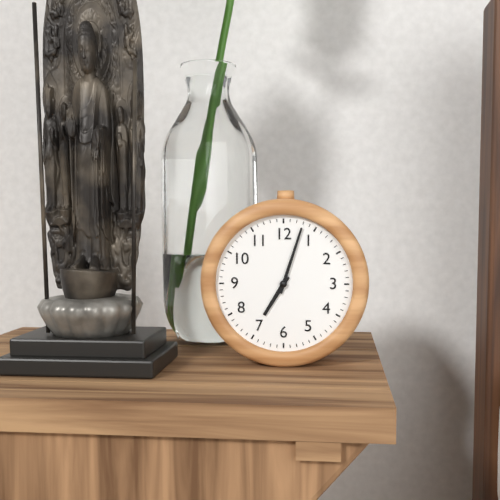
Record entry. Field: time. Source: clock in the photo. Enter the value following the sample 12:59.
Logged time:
7:03
